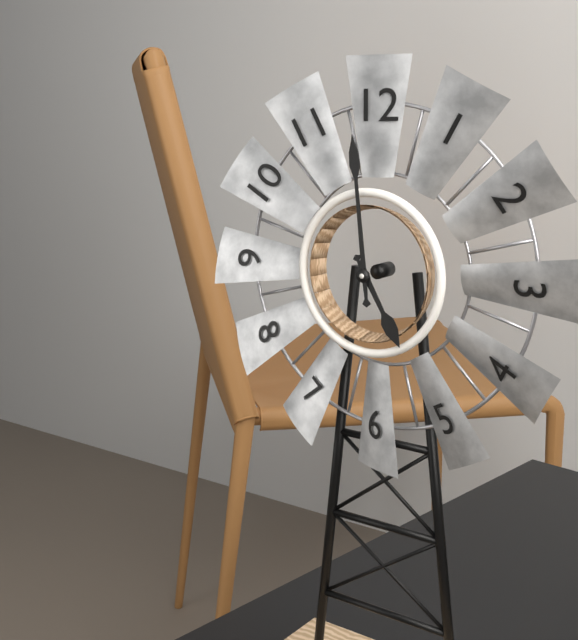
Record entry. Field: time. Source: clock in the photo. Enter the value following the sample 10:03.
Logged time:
4:59
